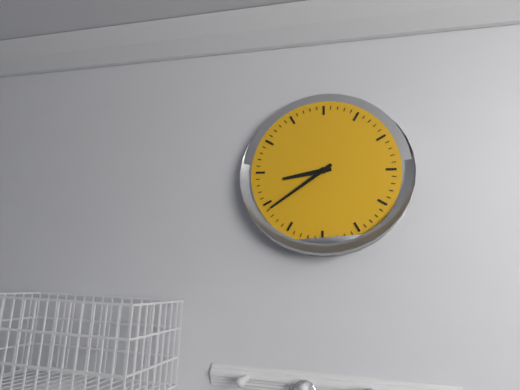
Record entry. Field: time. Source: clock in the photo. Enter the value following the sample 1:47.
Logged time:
8:39
